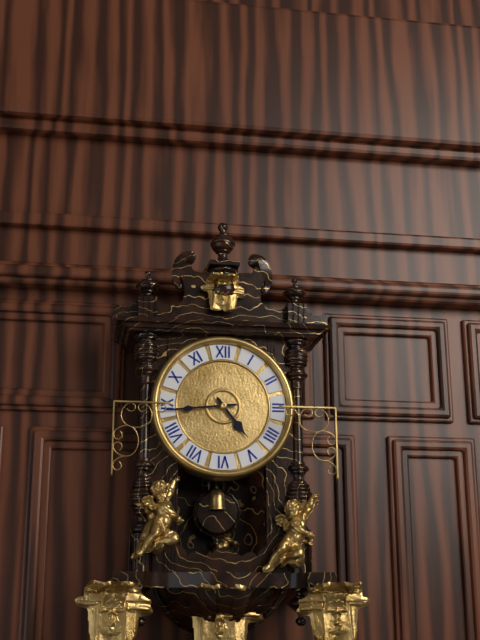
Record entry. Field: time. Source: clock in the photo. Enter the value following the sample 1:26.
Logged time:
4:44
